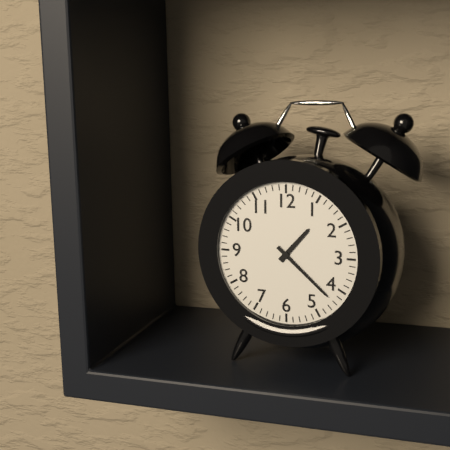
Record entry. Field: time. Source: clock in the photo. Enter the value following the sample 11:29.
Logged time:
1:22
